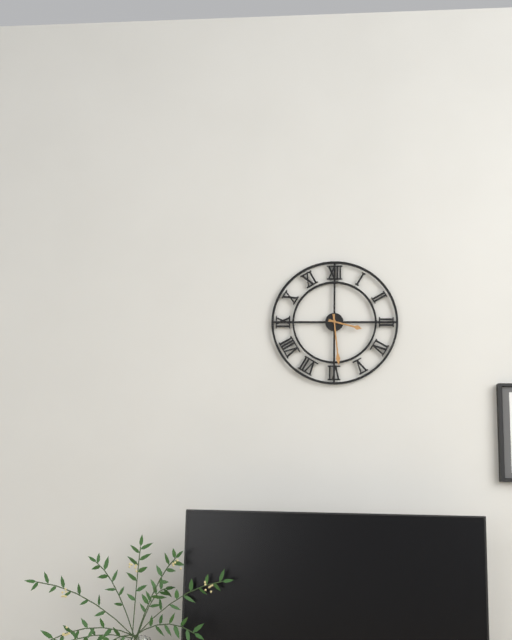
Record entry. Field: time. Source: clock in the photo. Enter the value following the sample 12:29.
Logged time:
3:29
